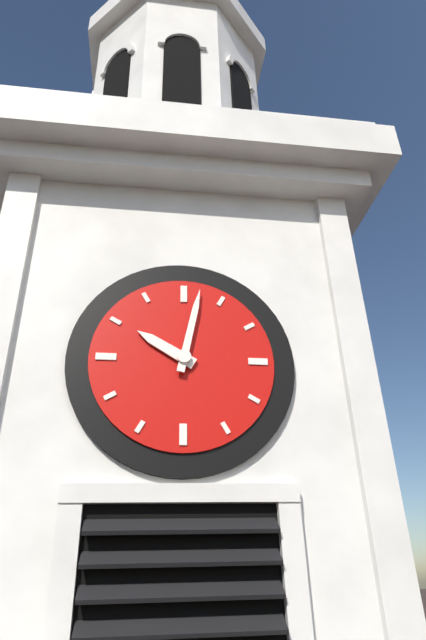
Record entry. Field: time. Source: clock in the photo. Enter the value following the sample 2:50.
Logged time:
10:02
